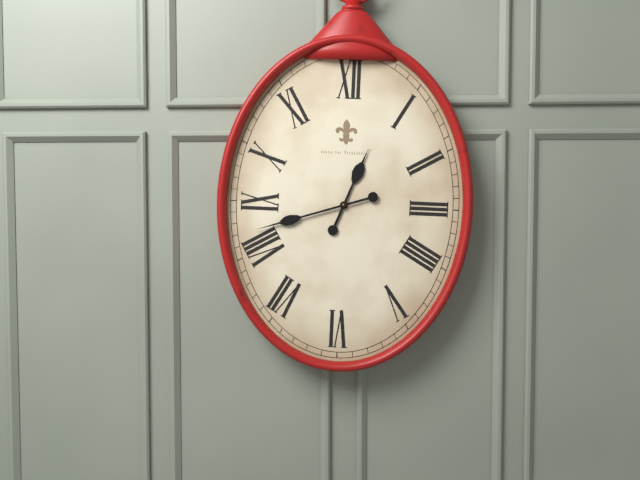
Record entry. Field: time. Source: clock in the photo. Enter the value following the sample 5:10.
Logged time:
12:42
